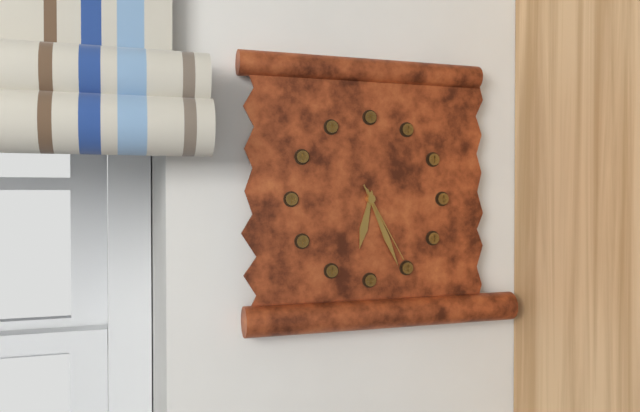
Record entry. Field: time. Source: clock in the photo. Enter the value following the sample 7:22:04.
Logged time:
6:26:25
